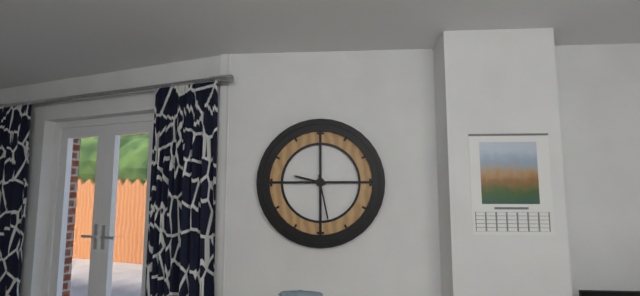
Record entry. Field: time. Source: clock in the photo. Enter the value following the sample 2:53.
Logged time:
9:28
